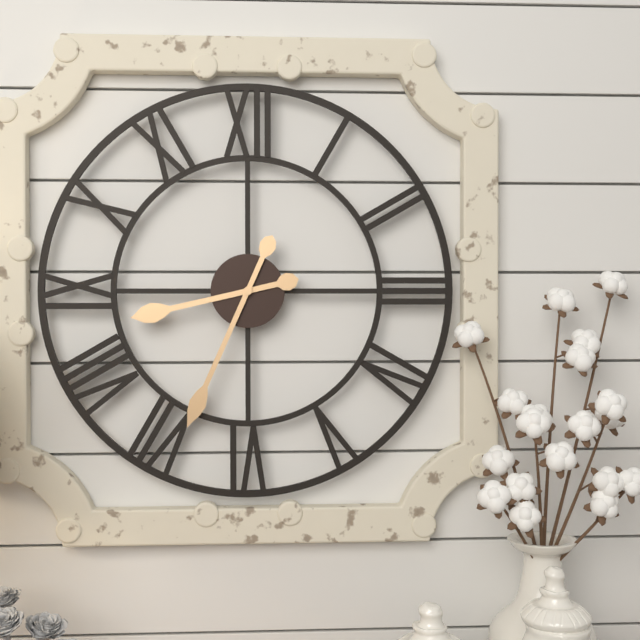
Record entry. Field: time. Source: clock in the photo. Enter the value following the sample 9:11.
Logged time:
8:34
